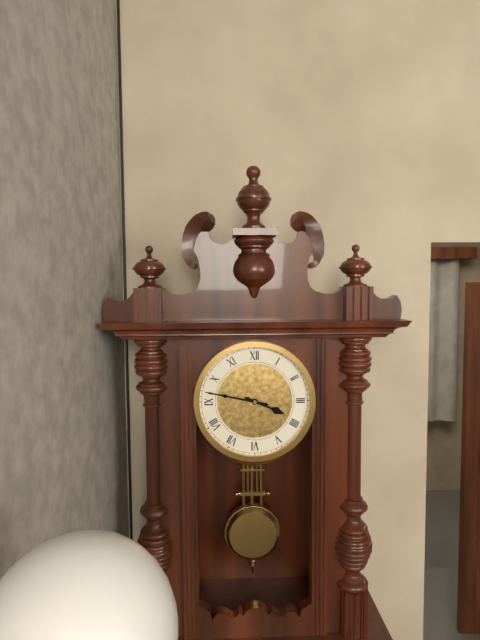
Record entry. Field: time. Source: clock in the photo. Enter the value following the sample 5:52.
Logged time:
3:47
